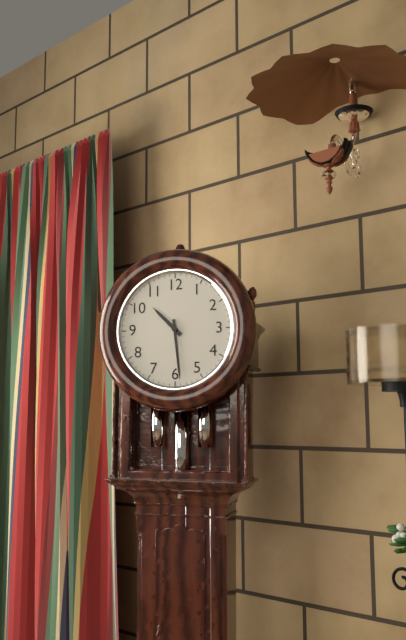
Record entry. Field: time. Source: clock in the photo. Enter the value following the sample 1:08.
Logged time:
10:29
